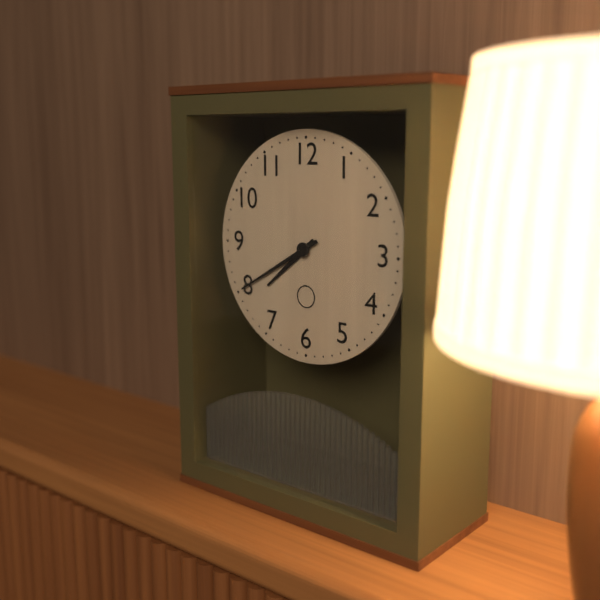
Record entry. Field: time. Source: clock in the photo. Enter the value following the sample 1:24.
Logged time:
7:40
